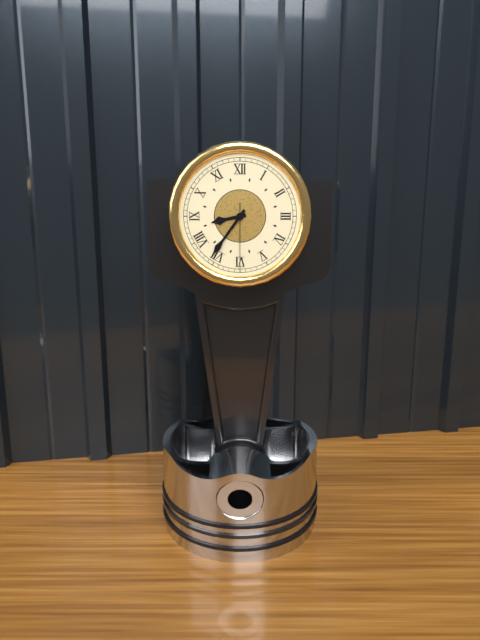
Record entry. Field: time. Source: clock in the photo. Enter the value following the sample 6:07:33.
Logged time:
8:36:30
